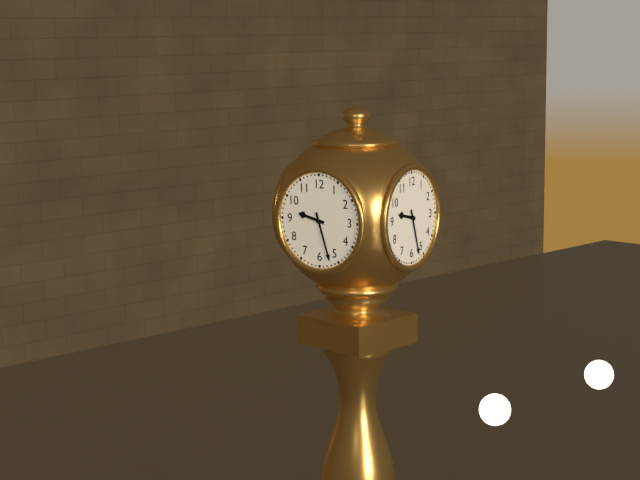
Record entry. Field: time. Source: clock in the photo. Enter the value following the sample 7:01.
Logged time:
9:27
